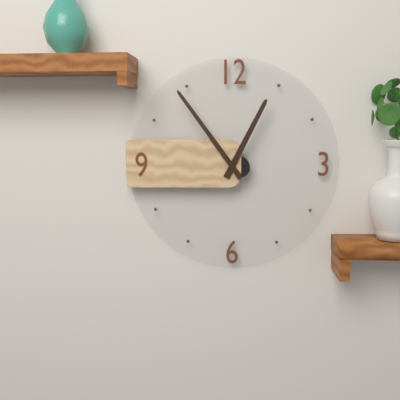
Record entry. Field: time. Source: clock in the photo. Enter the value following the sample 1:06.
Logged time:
12:54
